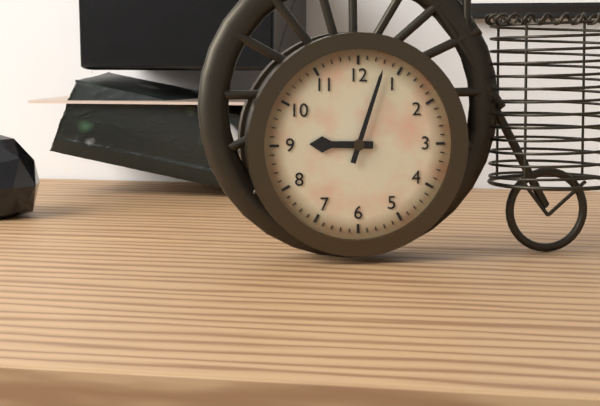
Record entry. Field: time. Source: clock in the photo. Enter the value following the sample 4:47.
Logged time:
9:03
